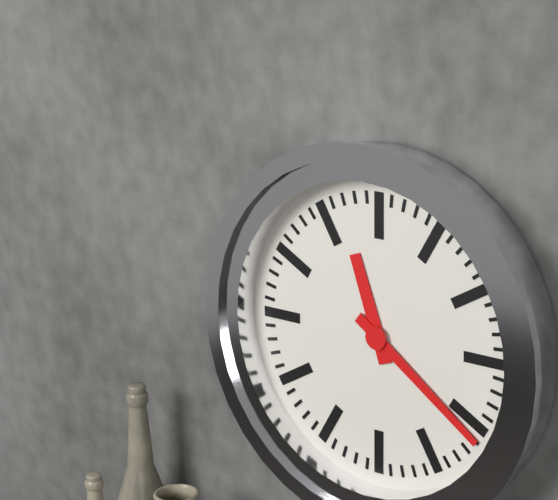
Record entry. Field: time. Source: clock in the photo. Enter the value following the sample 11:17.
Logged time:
11:21
